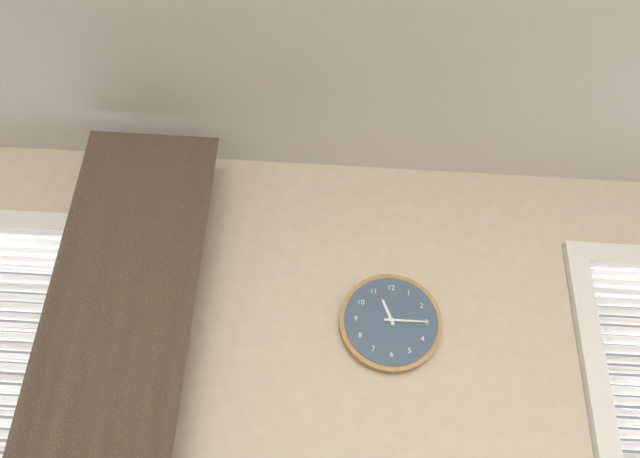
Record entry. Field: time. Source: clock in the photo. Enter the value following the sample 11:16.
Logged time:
11:15
